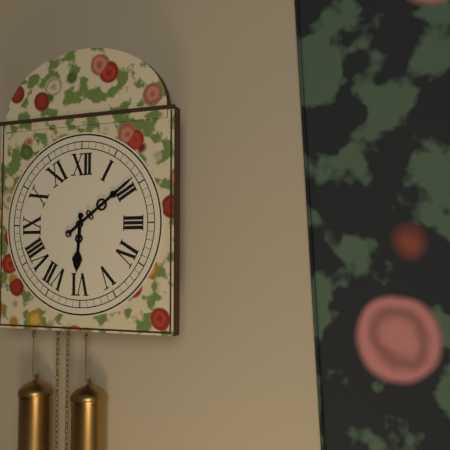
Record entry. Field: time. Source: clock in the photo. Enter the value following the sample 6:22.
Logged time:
6:09
